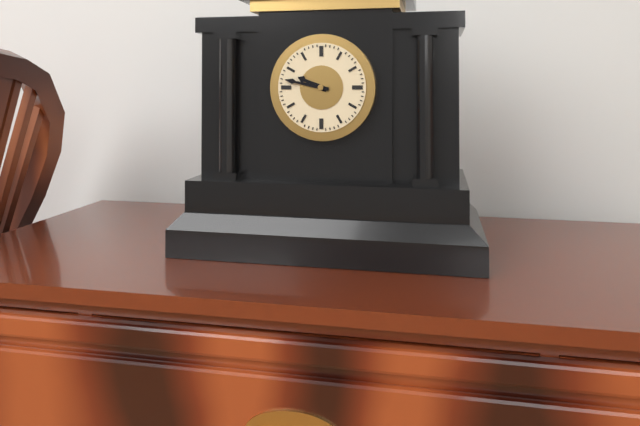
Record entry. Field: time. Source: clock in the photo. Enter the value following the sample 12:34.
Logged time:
9:47
